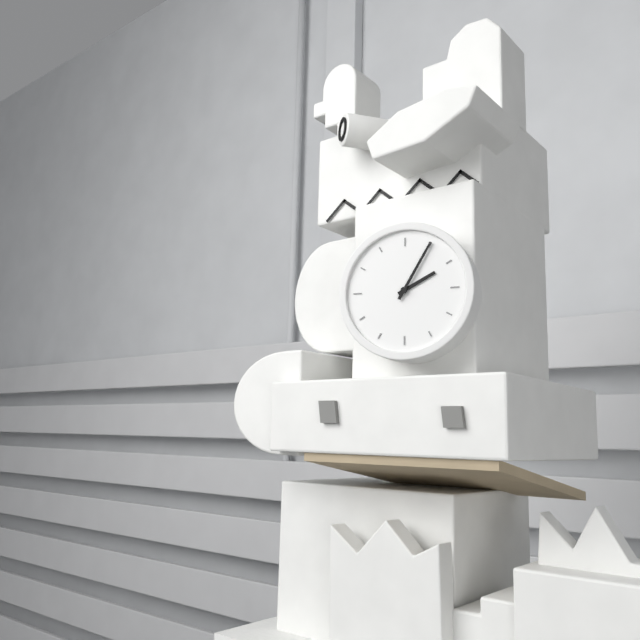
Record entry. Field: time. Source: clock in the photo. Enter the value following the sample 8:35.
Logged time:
2:05
